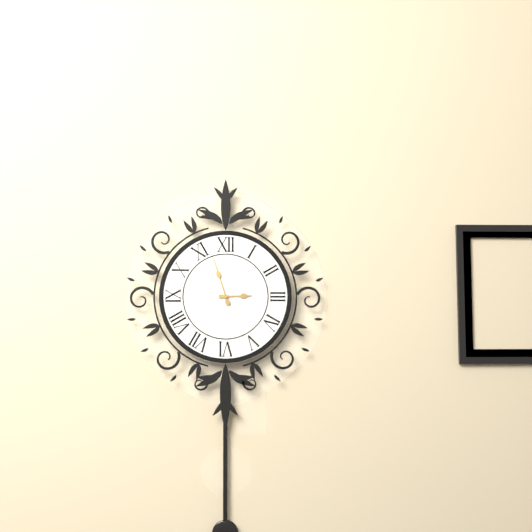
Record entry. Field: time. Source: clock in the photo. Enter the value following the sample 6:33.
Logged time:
2:57
